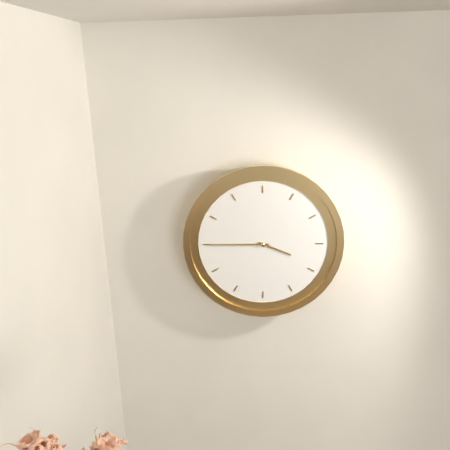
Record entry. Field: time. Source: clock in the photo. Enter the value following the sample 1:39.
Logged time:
3:45
